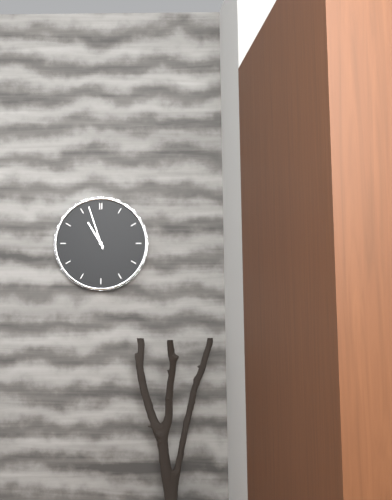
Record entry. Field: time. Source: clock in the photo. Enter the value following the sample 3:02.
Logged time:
10:57
